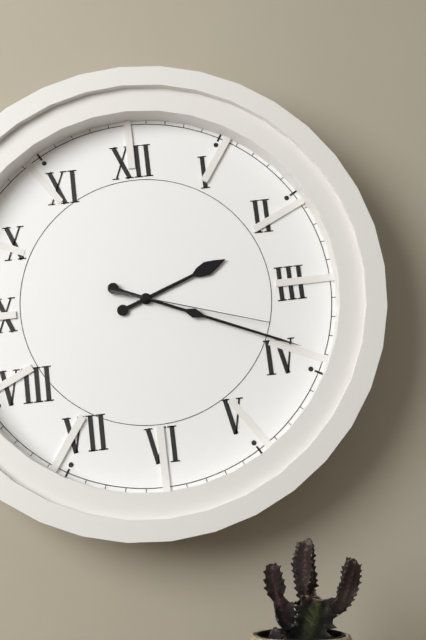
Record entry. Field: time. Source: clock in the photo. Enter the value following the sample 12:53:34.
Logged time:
2:19:18
